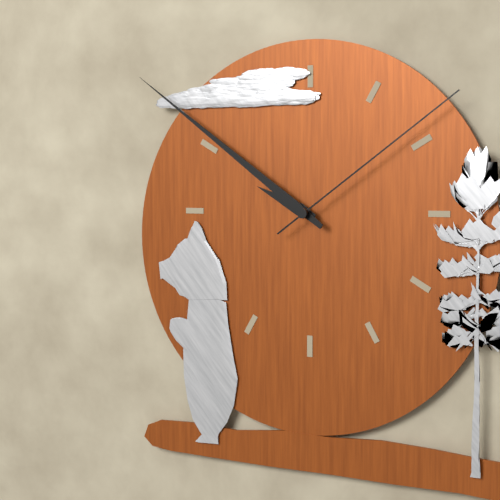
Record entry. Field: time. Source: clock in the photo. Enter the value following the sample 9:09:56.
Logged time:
9:51:09
